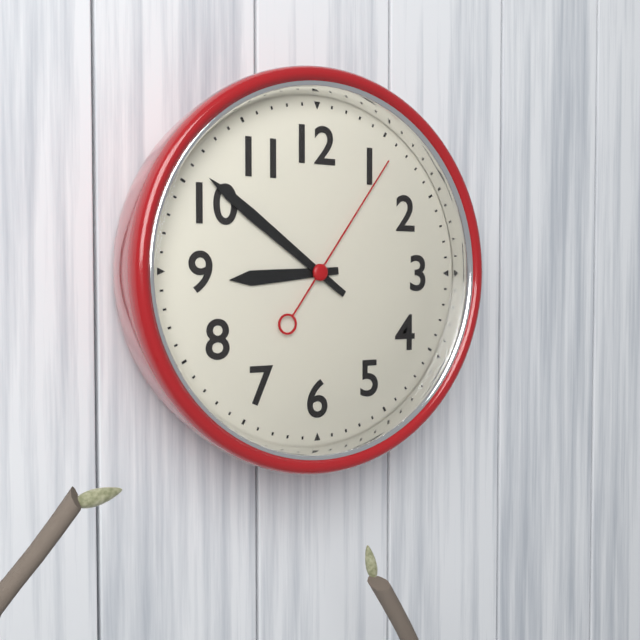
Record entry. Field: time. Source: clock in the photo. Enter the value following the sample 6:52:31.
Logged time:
8:51:06
